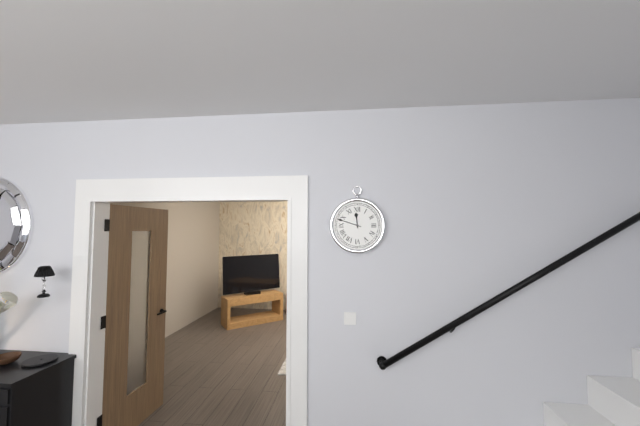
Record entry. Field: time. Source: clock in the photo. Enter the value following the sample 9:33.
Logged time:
11:48
